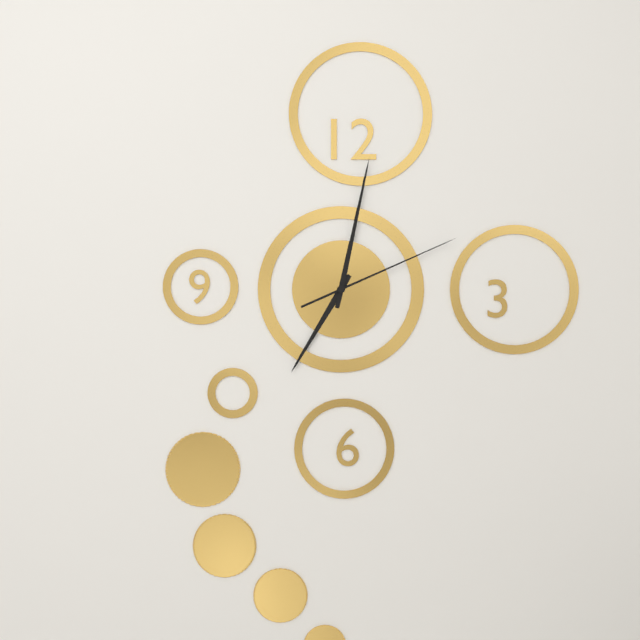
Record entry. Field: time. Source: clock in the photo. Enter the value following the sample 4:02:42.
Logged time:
7:02:11
